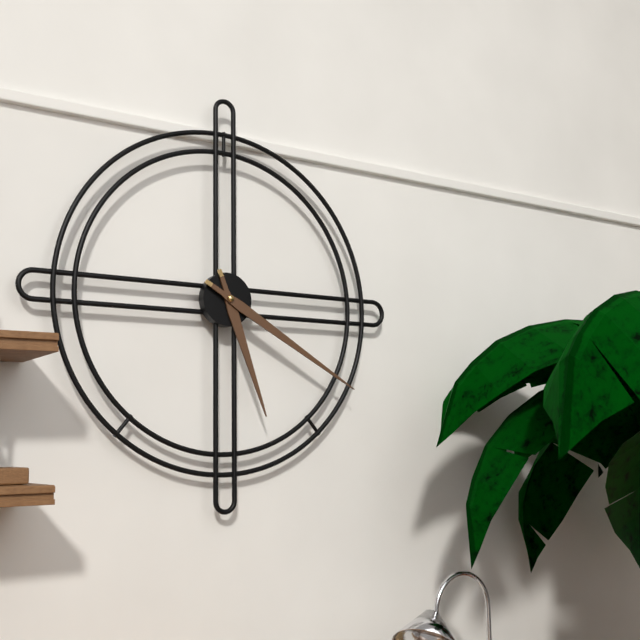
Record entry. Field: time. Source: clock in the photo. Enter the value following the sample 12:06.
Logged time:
5:20
